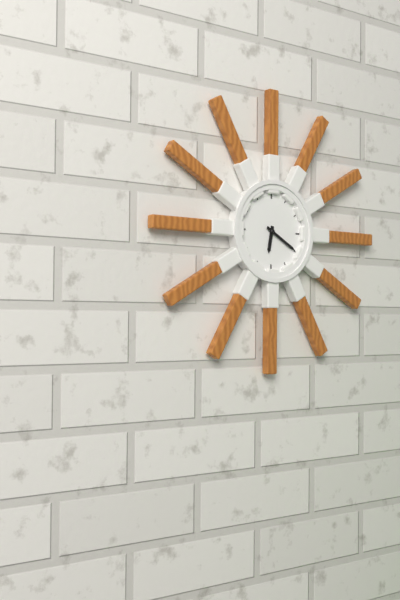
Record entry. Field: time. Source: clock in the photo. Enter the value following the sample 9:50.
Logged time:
6:20
